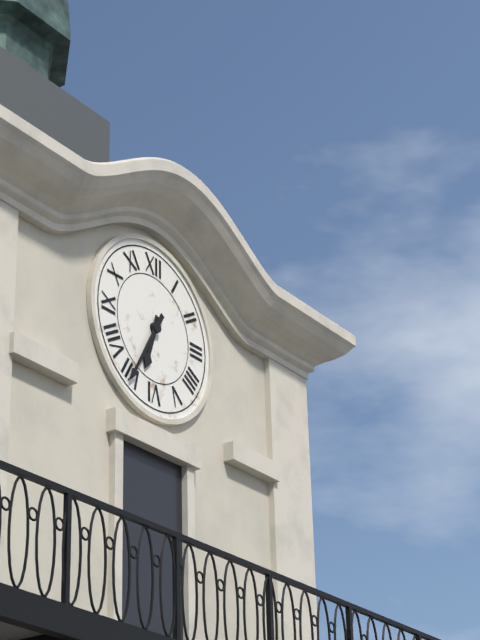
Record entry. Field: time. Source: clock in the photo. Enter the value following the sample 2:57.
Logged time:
6:35
